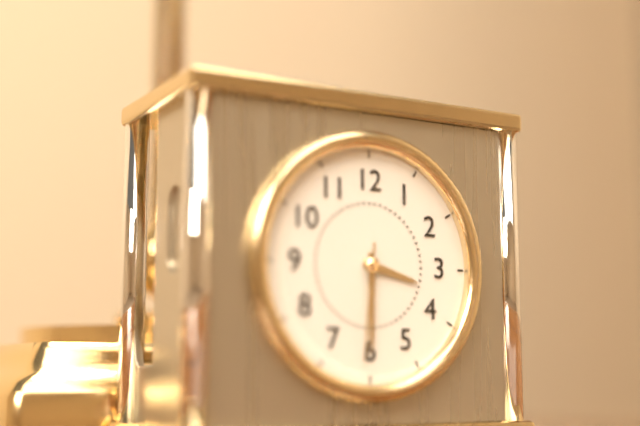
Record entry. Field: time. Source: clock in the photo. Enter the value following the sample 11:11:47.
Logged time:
3:30:31
